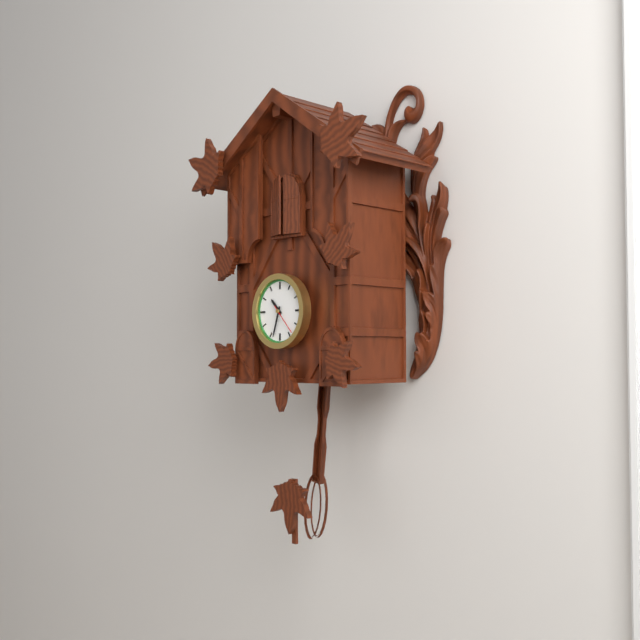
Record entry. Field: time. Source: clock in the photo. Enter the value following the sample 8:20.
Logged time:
10:33
